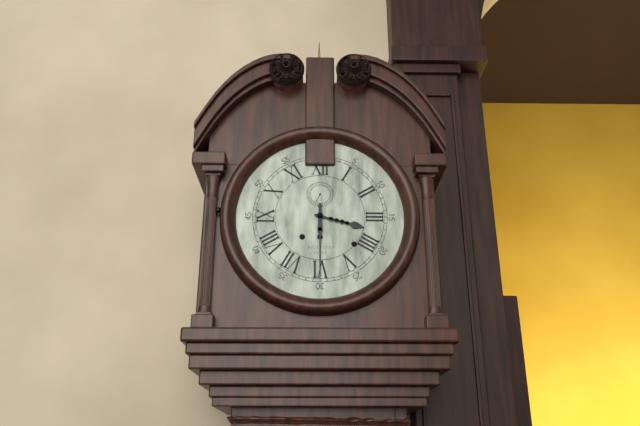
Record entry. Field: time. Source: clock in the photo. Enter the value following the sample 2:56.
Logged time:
3:30
